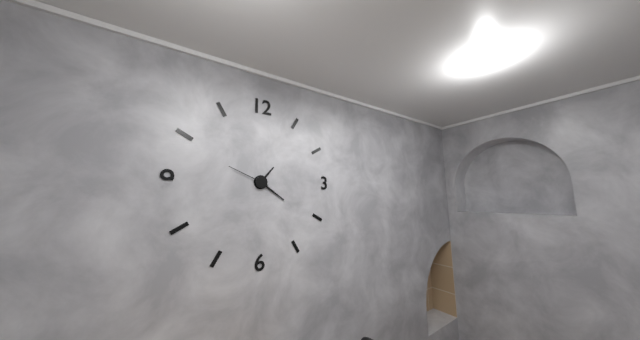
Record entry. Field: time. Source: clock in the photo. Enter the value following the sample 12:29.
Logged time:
1:21
